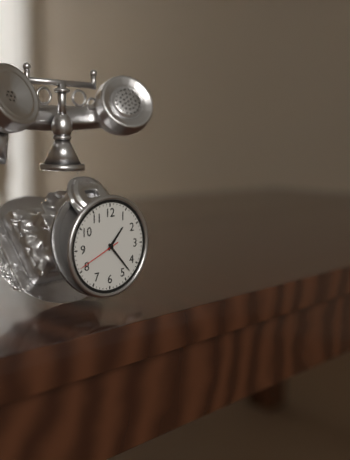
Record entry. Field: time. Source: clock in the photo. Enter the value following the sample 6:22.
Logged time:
1:23
